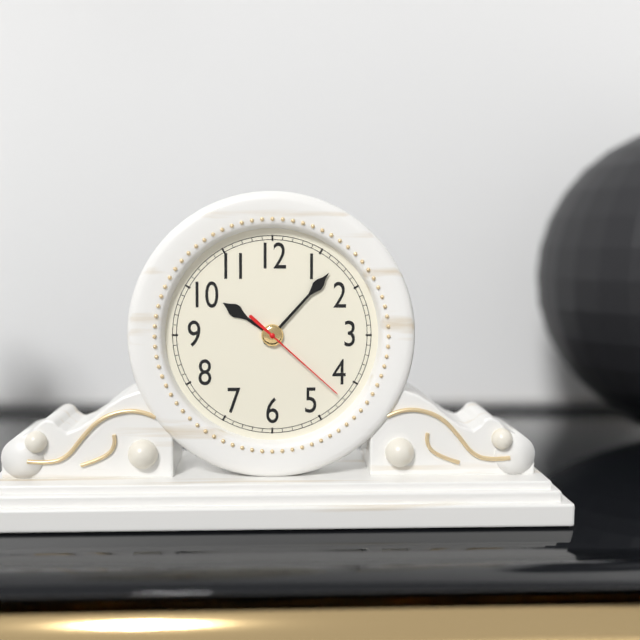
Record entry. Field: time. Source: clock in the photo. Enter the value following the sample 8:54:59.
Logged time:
10:07:22
